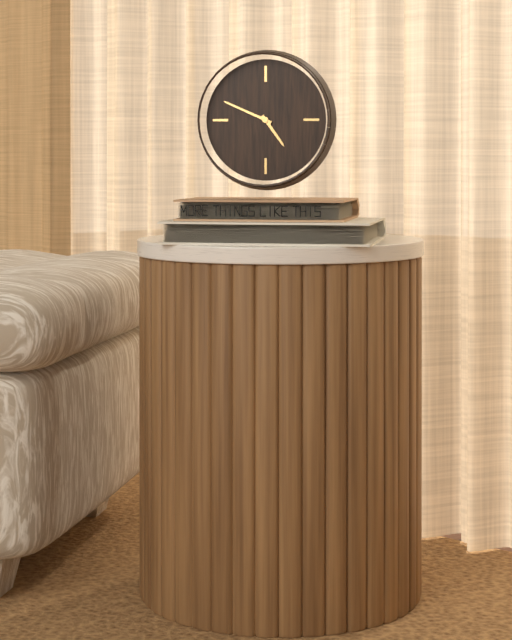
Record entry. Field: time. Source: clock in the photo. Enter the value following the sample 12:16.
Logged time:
4:49
